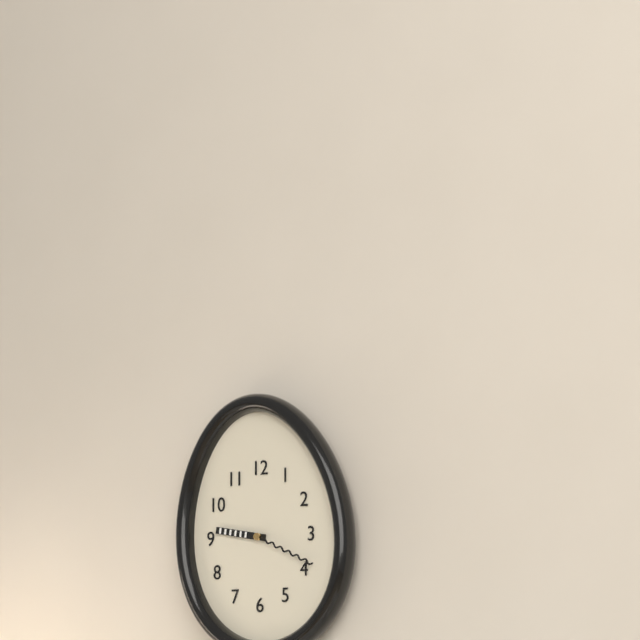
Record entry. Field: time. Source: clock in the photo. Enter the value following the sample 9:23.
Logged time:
9:19
